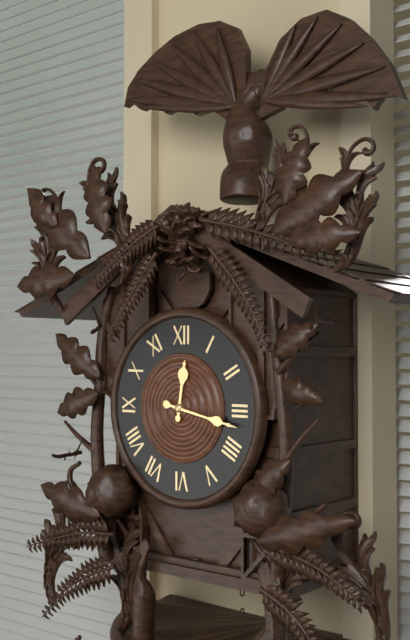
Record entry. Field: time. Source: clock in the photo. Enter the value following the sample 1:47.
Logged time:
12:17
